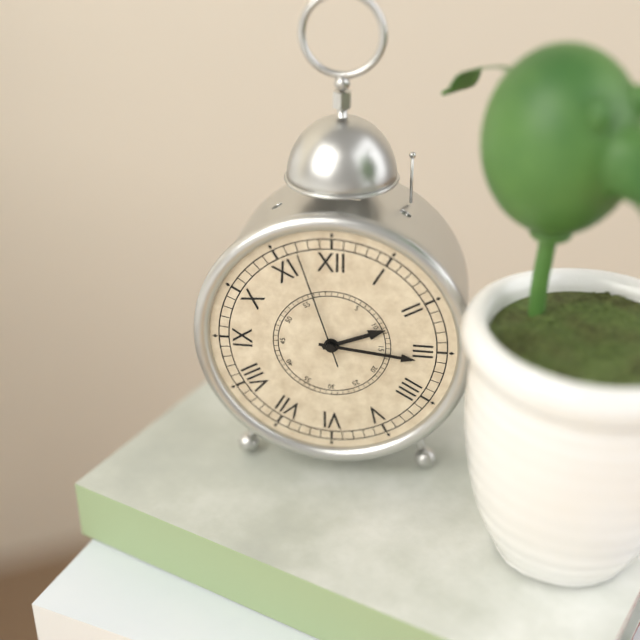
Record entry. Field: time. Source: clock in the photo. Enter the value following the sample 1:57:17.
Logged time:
2:16:57
